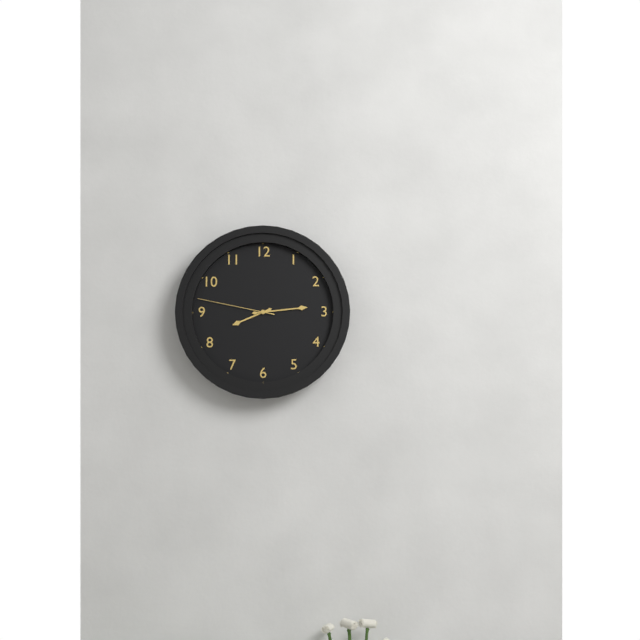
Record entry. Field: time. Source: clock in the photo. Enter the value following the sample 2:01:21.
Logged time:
8:14:47
